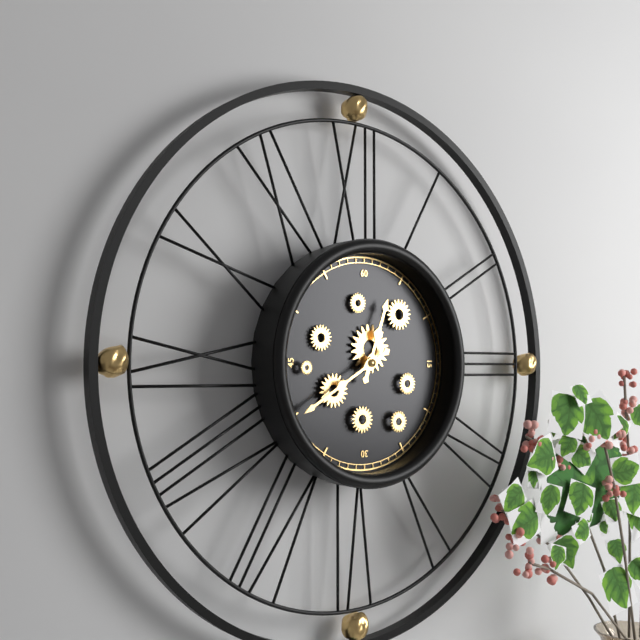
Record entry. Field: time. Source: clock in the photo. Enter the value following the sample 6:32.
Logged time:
12:40
